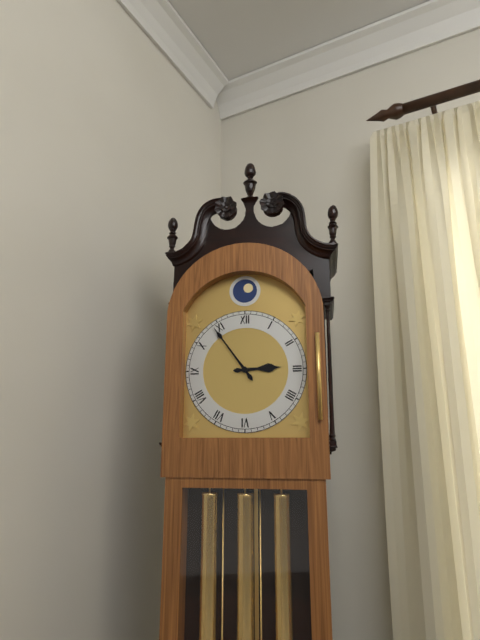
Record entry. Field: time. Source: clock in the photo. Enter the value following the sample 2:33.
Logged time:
2:54
